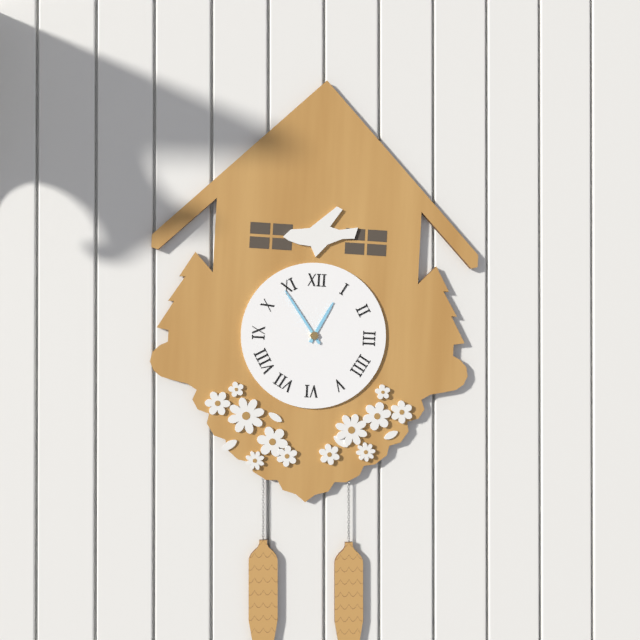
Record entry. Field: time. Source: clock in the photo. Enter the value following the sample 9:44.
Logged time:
12:54
